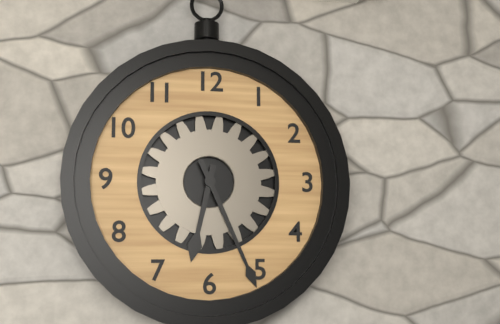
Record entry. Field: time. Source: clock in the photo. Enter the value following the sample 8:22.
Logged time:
6:26
